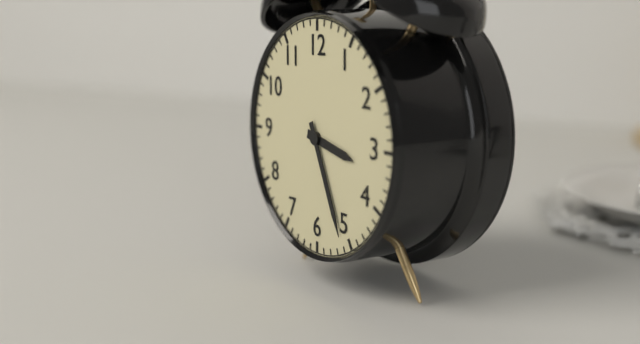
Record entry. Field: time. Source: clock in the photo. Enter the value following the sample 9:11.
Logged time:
3:26
